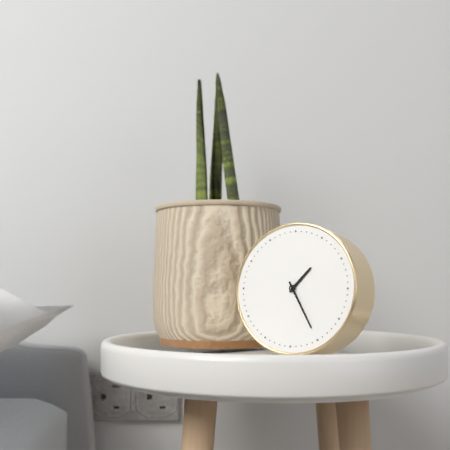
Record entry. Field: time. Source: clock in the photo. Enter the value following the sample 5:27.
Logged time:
1:25
